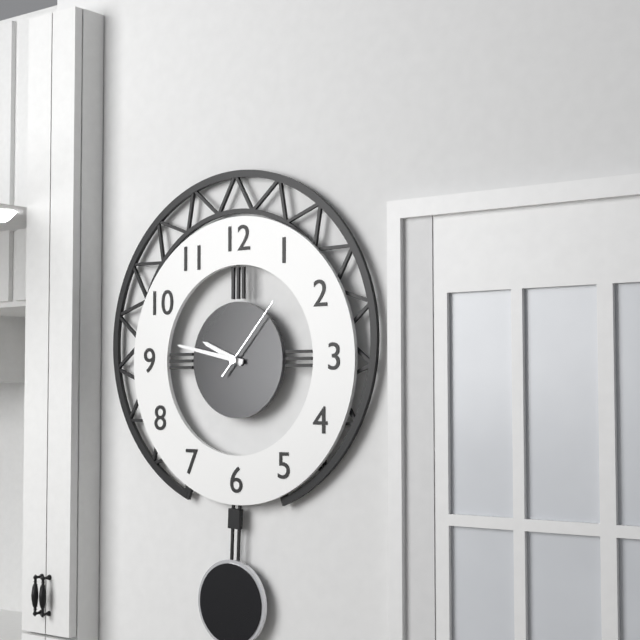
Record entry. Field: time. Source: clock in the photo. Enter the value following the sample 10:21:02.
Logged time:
9:47:07
